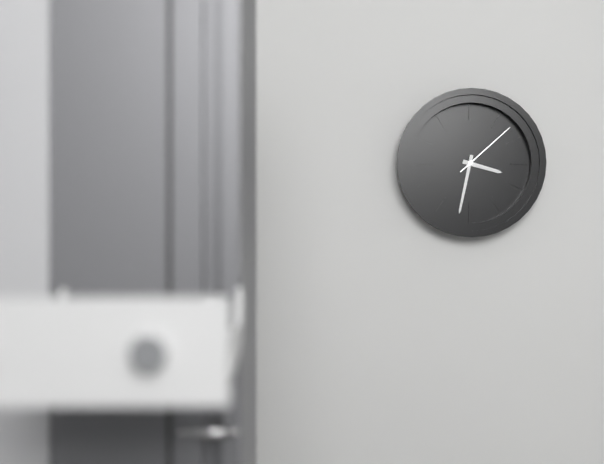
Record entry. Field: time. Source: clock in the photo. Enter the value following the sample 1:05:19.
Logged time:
3:32:08
